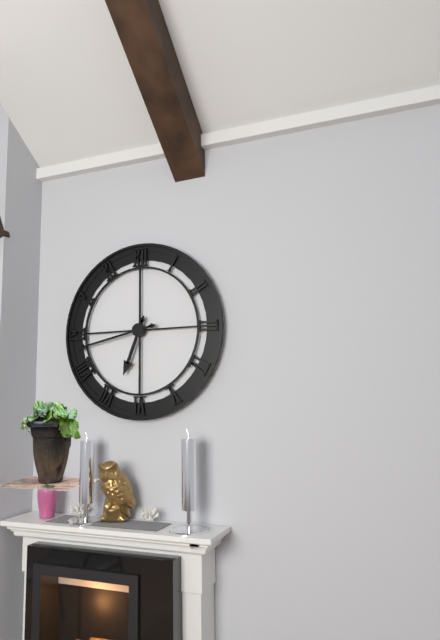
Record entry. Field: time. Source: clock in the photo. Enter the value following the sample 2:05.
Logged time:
6:43
